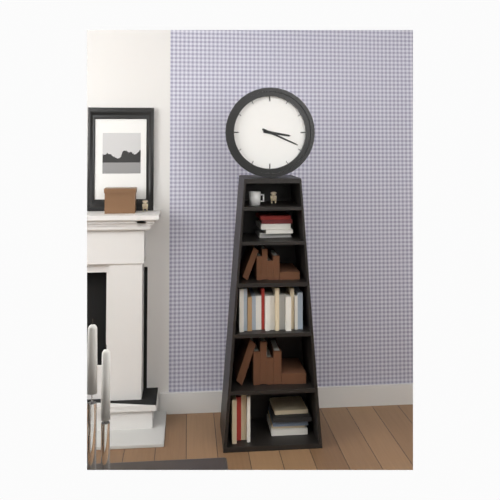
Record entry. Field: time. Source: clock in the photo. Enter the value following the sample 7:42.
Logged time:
3:19
